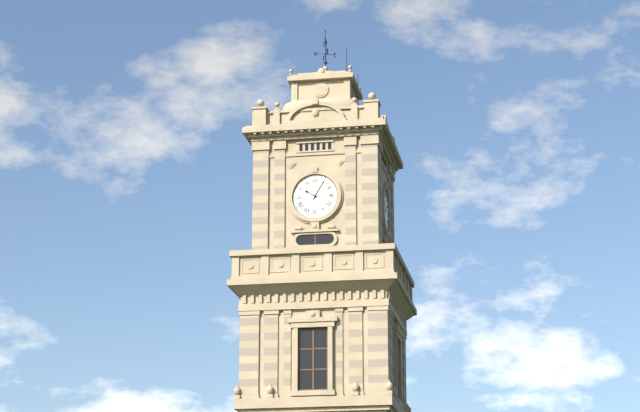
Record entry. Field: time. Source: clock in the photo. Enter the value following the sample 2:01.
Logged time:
10:05
